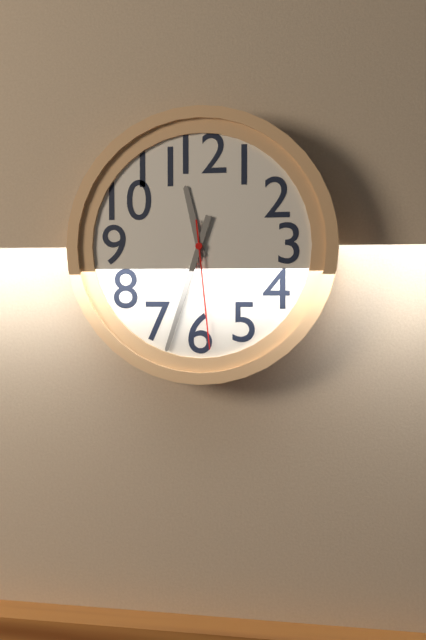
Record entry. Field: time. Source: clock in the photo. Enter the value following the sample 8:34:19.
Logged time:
11:33:29
